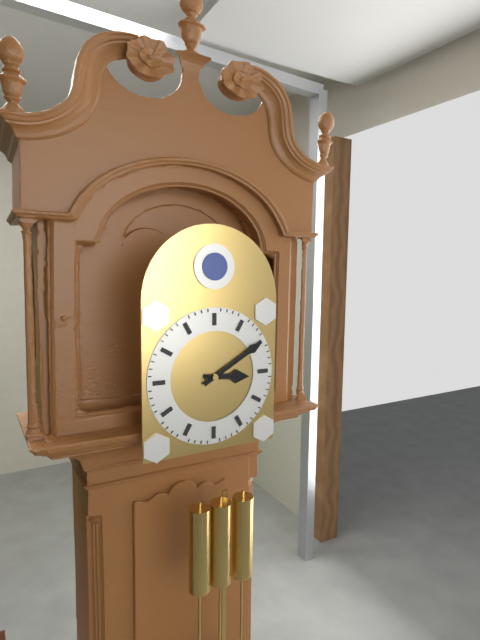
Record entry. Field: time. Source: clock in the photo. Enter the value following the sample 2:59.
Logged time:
3:10
